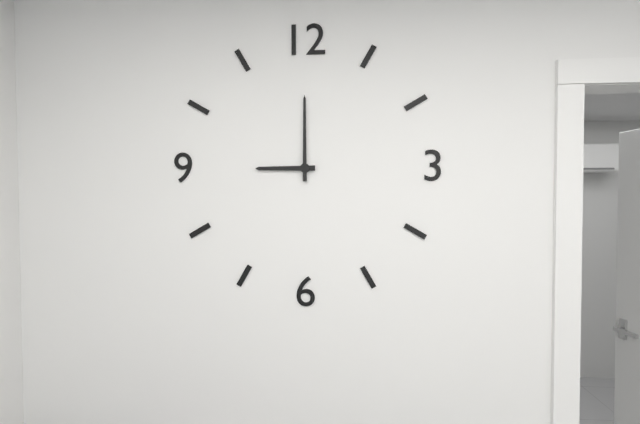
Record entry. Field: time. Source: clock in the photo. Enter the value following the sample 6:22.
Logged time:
9:00
